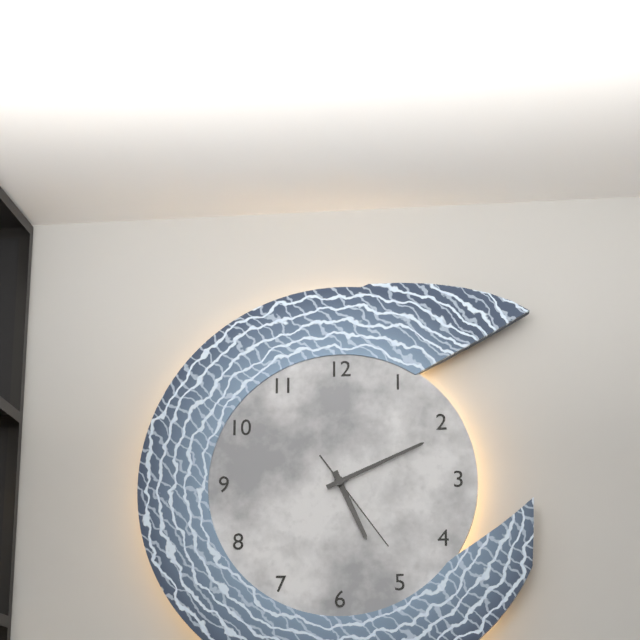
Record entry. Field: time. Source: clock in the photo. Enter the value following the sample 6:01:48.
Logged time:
5:11:24
